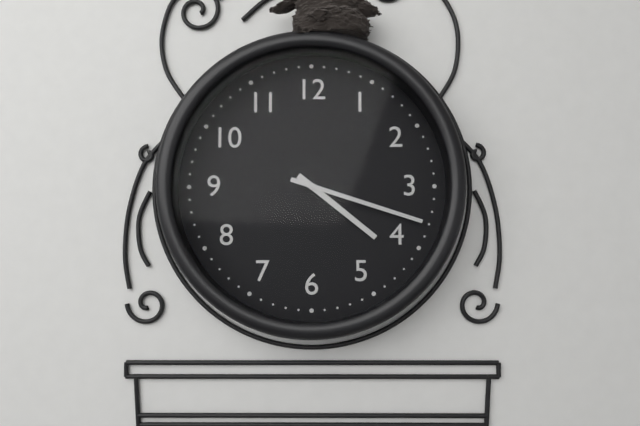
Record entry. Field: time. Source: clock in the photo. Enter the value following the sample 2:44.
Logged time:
4:18
